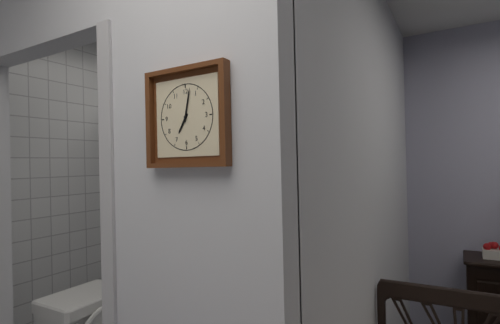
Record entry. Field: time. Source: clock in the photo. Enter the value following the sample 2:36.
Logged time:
7:02
